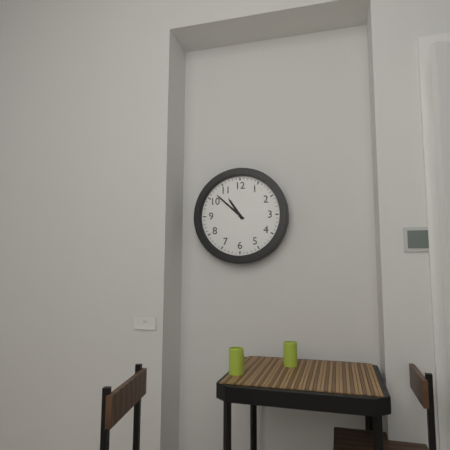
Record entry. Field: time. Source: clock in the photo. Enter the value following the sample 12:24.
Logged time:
10:52
